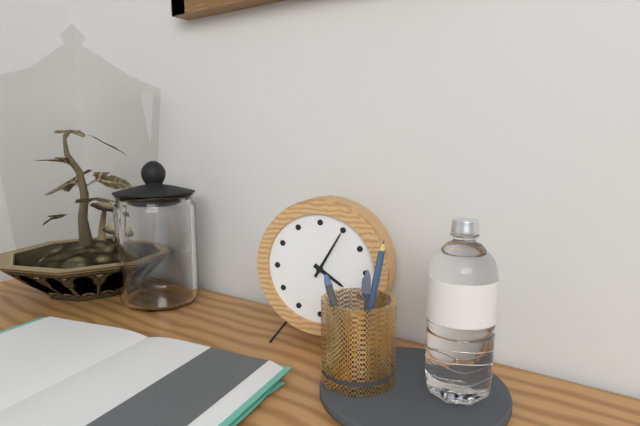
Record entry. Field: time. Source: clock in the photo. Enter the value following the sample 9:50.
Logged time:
4:05
